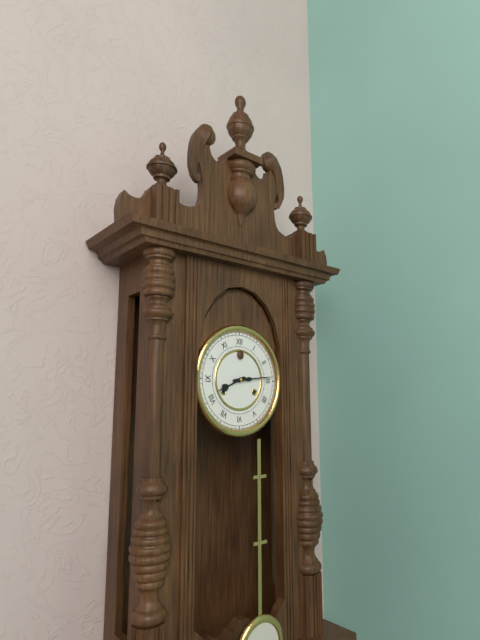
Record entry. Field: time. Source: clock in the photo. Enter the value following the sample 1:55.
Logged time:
8:14
